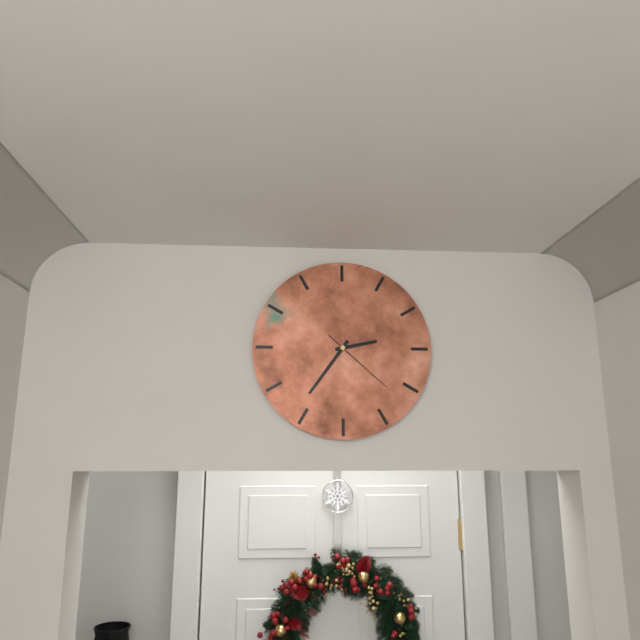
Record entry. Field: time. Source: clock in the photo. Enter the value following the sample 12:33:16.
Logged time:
2:36:22
